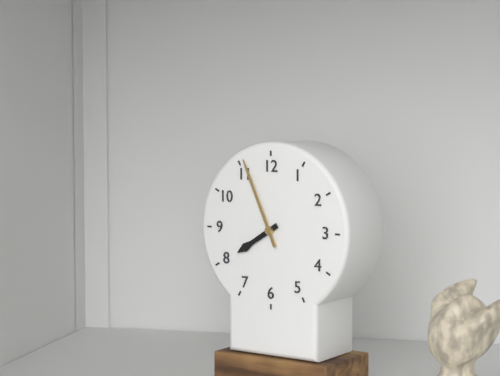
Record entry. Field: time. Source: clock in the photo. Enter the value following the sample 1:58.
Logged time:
7:56
